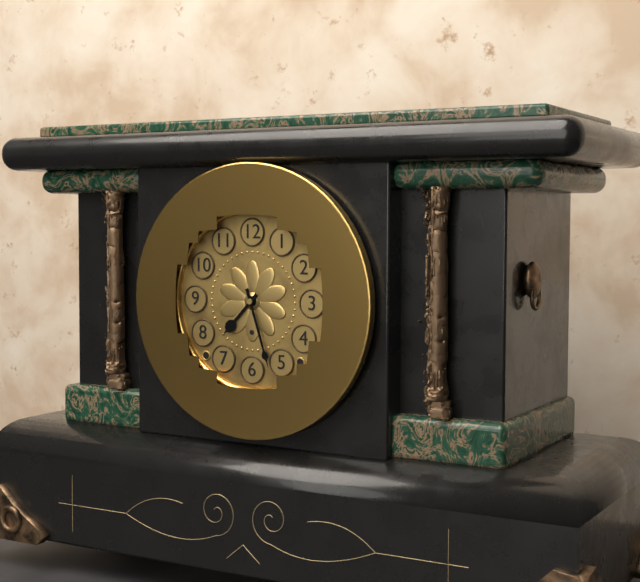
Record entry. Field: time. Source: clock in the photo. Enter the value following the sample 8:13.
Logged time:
7:27
